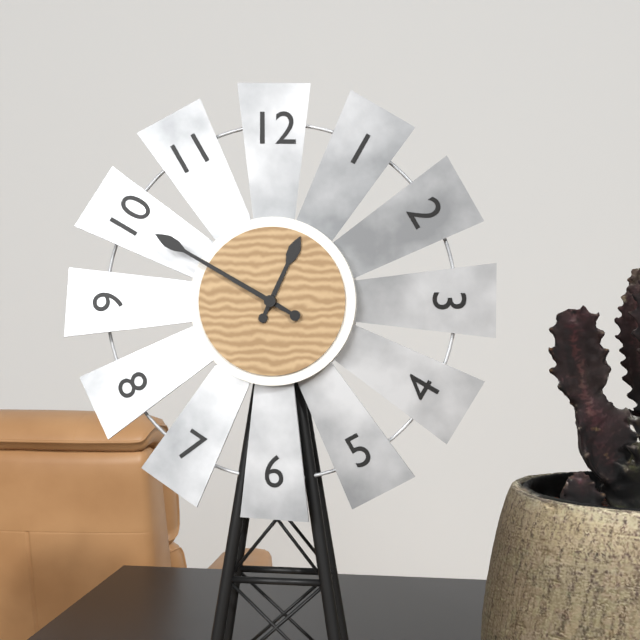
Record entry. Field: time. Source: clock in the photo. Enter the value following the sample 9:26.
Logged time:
12:50
